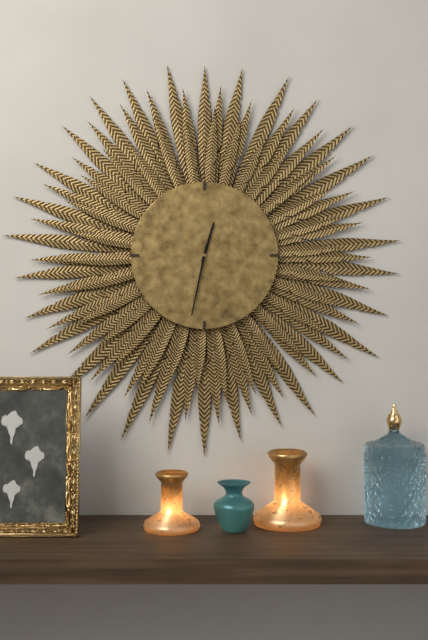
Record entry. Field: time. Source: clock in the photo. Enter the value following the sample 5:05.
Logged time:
12:32
